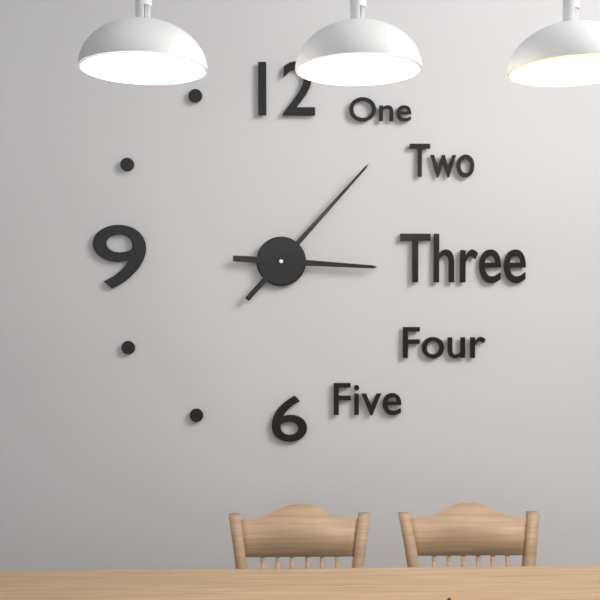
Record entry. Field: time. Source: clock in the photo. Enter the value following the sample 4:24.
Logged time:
3:07
